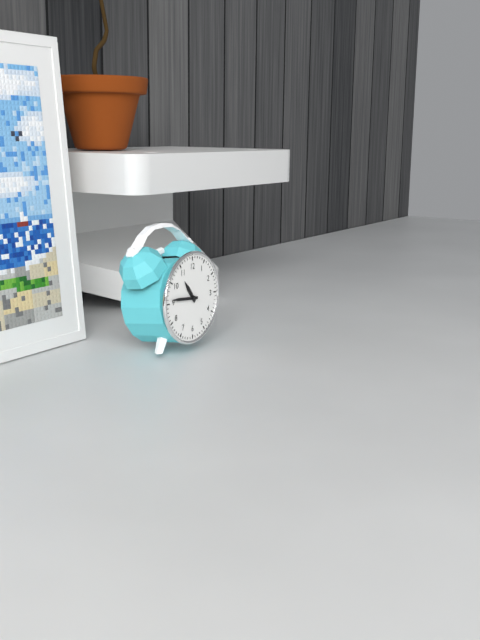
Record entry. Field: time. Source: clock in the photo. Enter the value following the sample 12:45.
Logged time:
10:46
